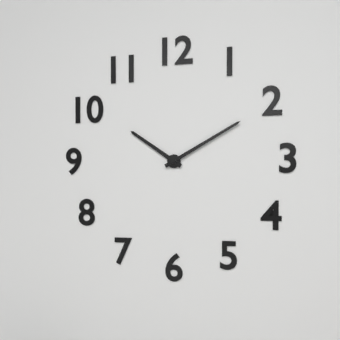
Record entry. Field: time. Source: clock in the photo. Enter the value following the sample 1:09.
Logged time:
10:10
